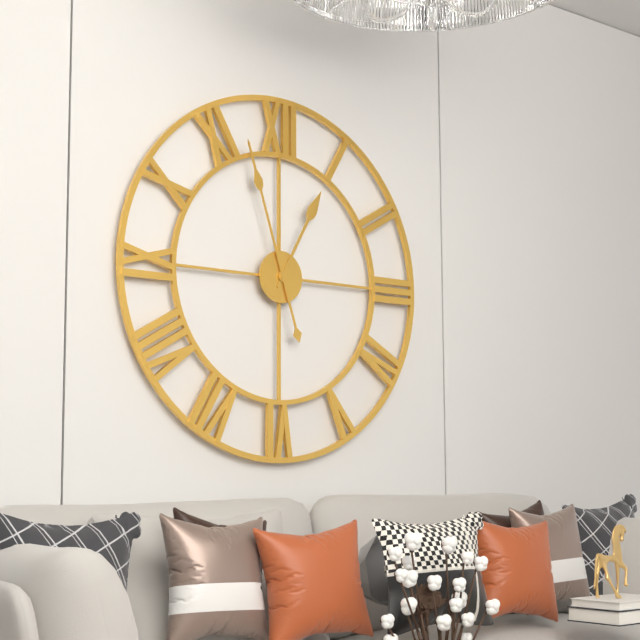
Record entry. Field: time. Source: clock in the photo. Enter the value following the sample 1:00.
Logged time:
12:57
